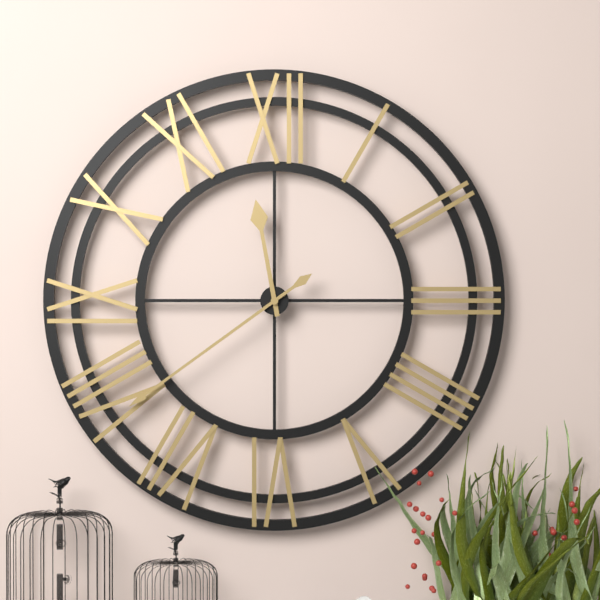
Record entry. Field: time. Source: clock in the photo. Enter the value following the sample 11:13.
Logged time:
11:39
